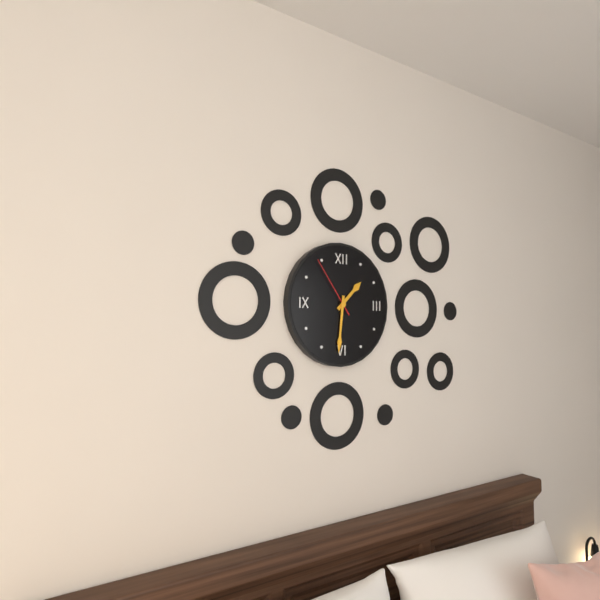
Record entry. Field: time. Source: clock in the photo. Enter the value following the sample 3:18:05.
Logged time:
1:31:54
